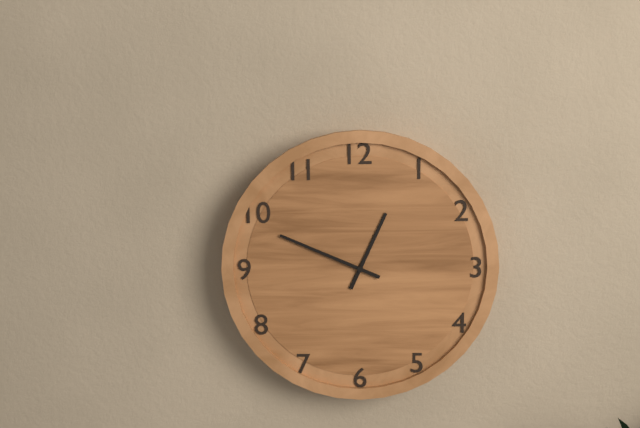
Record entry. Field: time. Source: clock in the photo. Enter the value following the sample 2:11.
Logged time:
12:49
